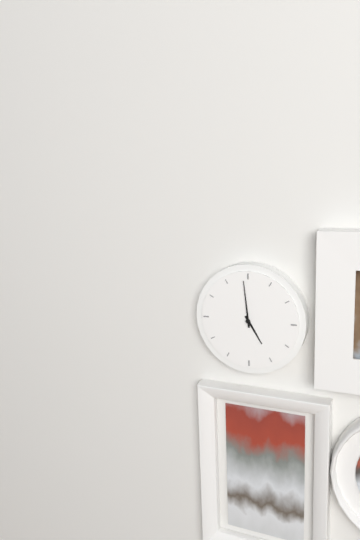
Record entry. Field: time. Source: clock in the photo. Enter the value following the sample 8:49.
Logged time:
4:59
